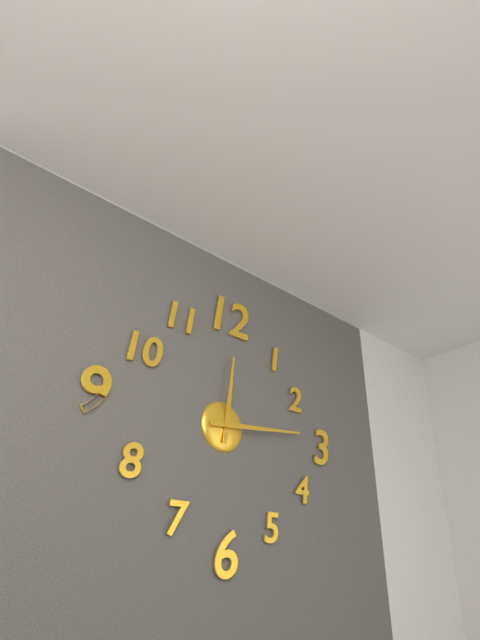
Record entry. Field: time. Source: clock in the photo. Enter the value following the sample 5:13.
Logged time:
12:14
